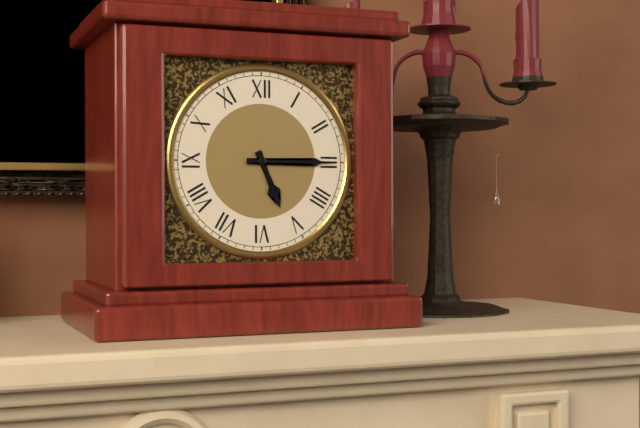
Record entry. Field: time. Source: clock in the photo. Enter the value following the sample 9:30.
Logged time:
5:15
